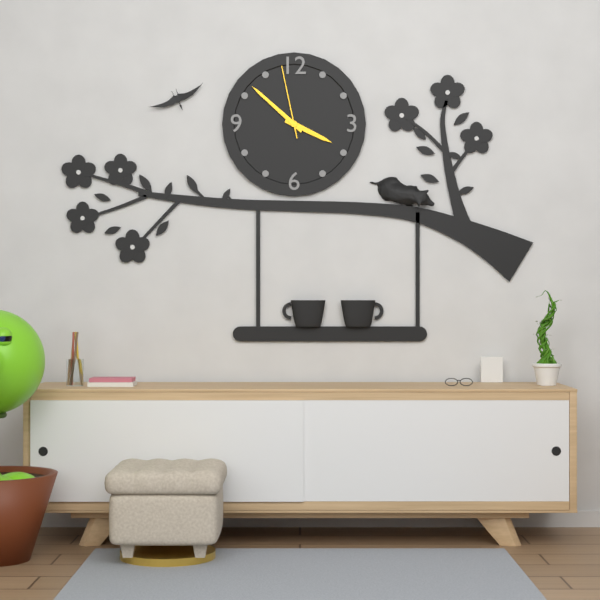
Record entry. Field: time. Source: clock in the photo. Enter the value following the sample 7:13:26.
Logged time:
3:52:58
